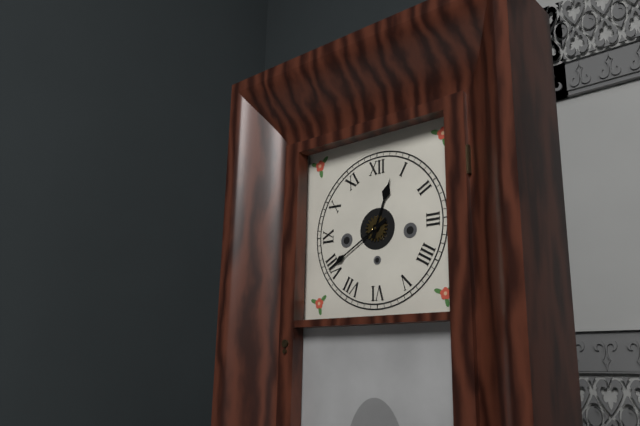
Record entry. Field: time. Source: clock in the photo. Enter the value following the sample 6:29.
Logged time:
12:40
